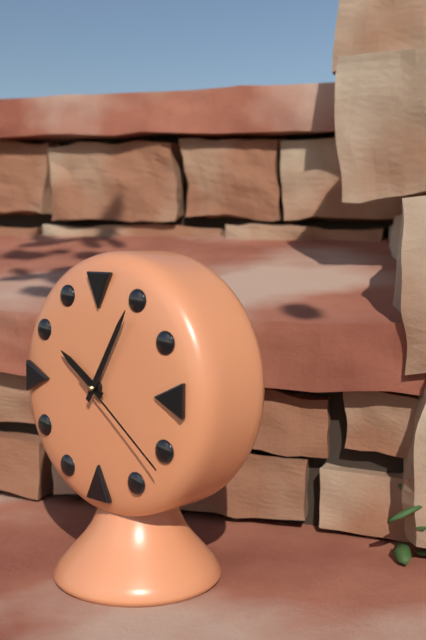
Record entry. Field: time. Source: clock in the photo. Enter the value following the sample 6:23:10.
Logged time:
10:05:21
